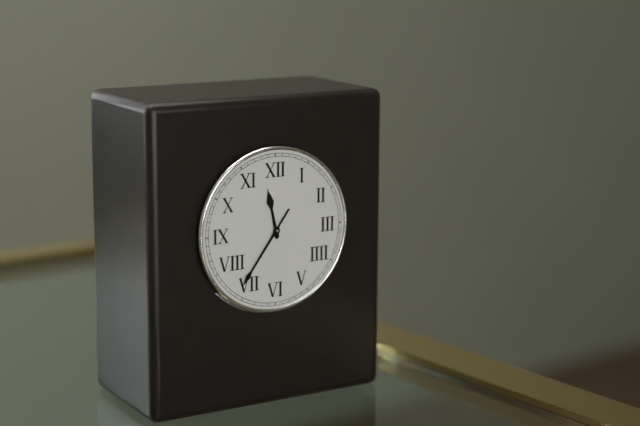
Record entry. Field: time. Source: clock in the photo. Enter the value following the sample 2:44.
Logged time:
11:36
